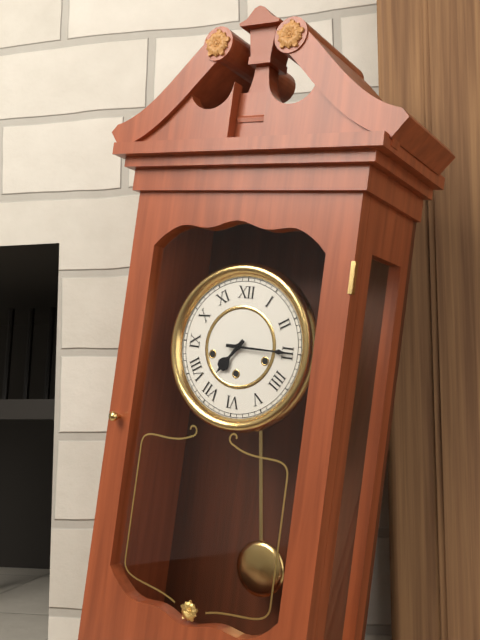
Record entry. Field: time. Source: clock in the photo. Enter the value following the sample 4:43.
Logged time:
7:15
